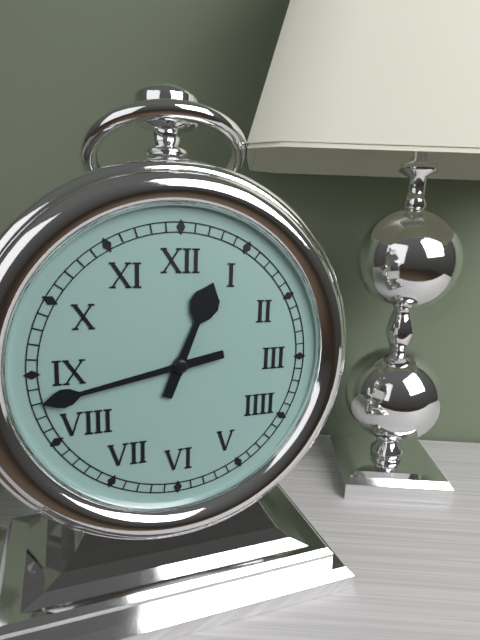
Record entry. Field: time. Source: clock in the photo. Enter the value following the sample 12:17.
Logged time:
12:43
